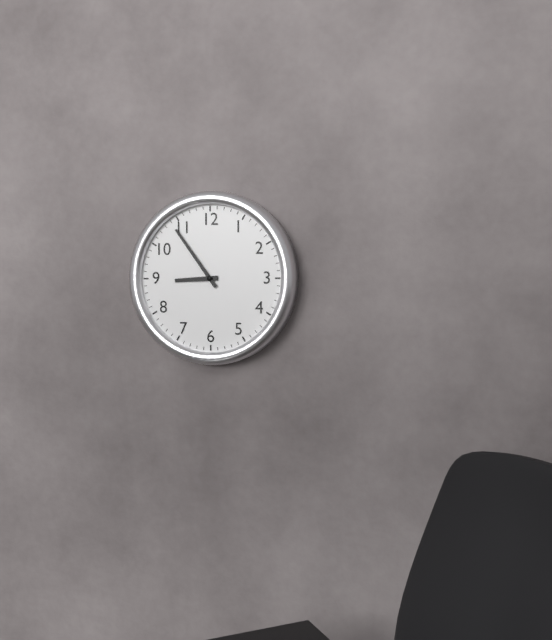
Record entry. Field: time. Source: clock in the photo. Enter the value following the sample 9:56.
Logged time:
8:54
